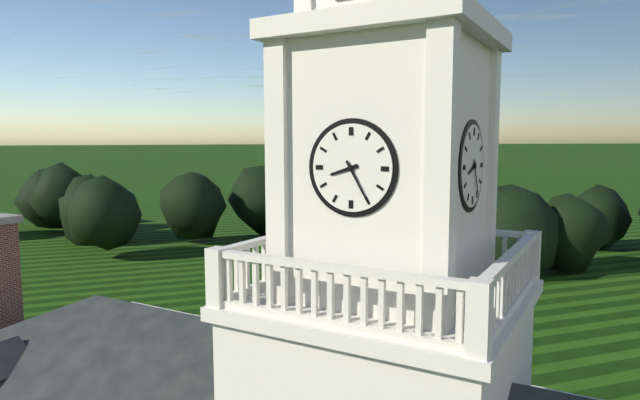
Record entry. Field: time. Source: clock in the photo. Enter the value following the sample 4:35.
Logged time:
8:25
